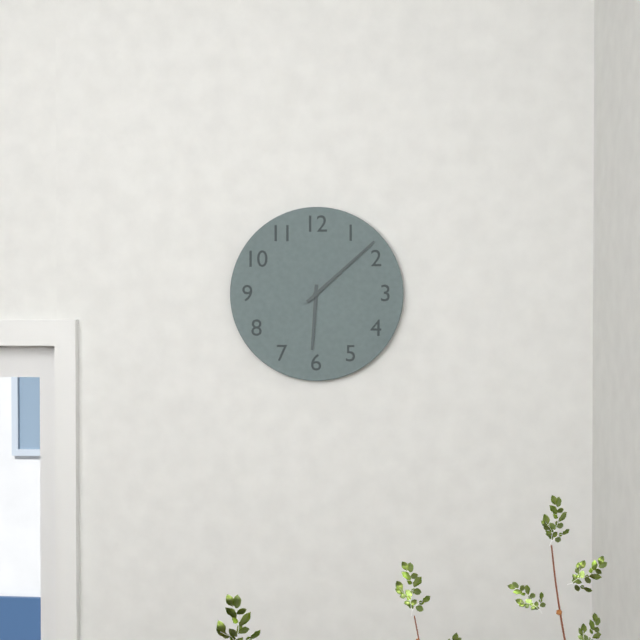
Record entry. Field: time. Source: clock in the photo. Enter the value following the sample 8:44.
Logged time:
6:08
